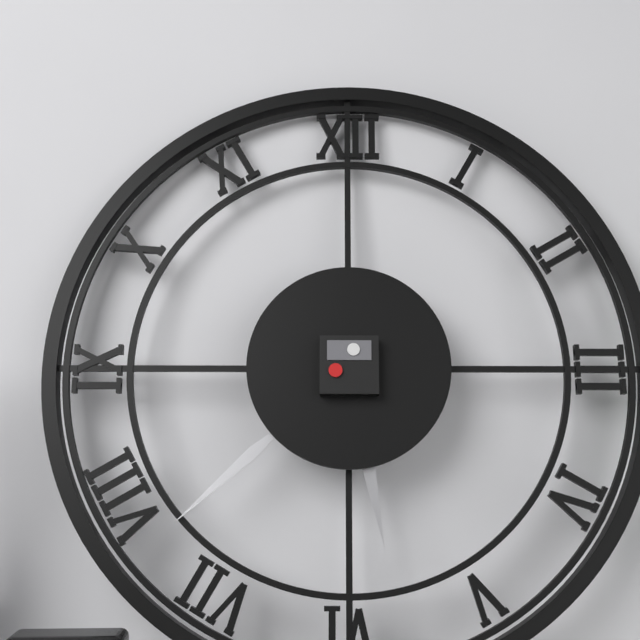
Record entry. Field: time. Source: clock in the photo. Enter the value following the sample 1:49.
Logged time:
5:38
